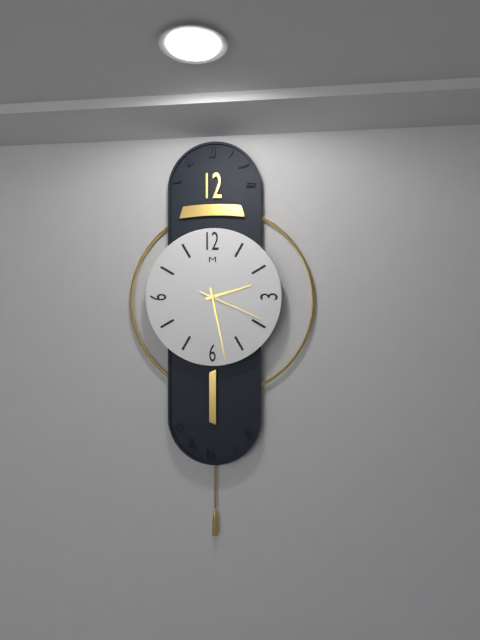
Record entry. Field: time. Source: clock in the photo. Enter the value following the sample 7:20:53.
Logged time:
2:28:19
